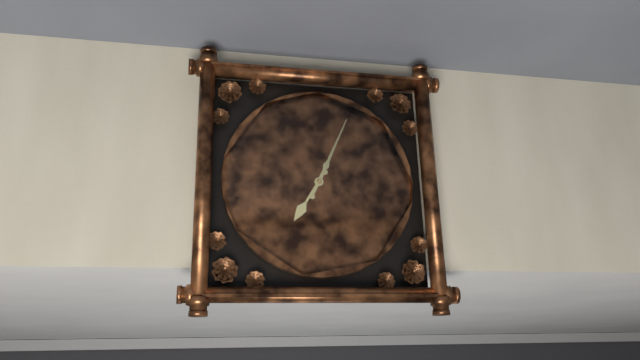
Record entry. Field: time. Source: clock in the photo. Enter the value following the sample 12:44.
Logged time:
7:04
